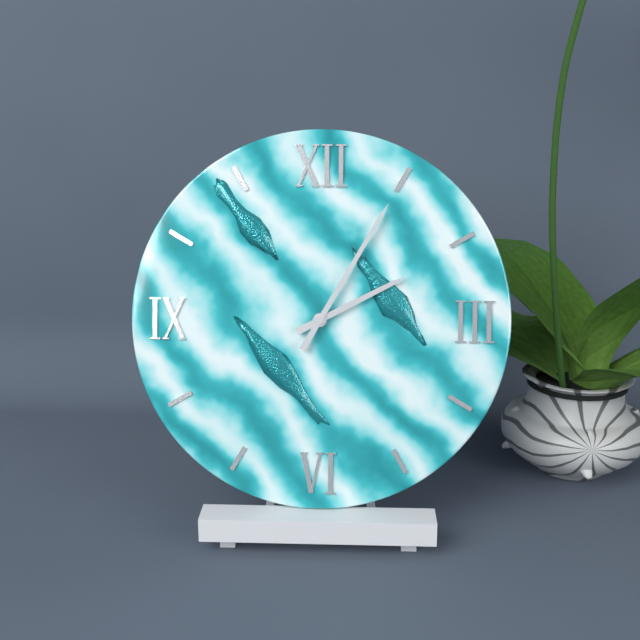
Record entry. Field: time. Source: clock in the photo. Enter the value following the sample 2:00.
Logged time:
2:05
